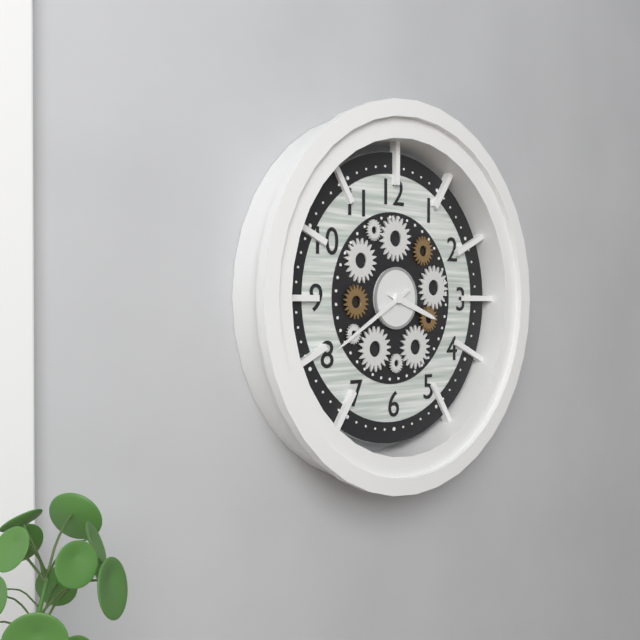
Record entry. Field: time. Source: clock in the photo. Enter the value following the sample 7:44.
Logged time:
3:40
